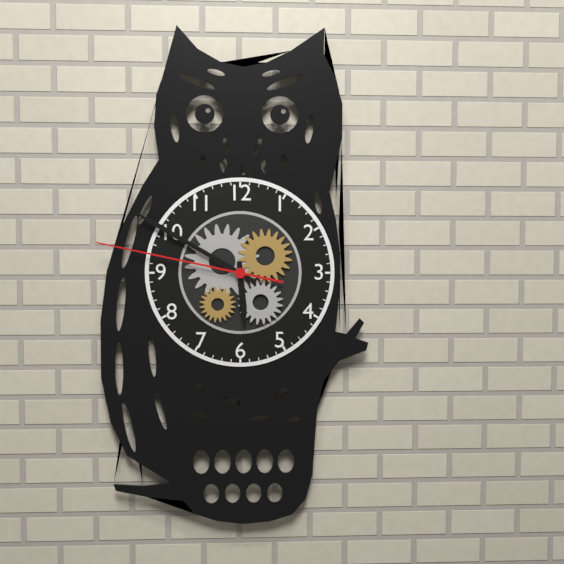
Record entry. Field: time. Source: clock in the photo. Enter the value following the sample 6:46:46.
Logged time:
5:50:47
